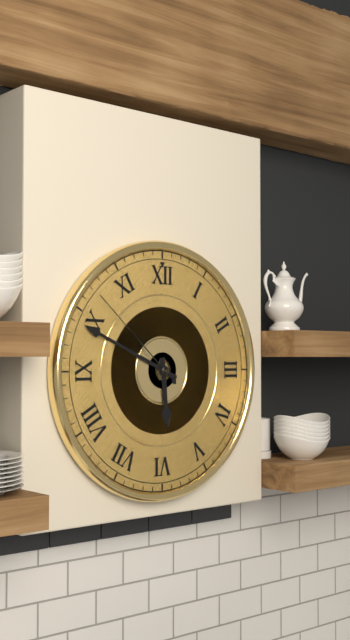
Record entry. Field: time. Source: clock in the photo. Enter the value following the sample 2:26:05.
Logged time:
5:49:52
